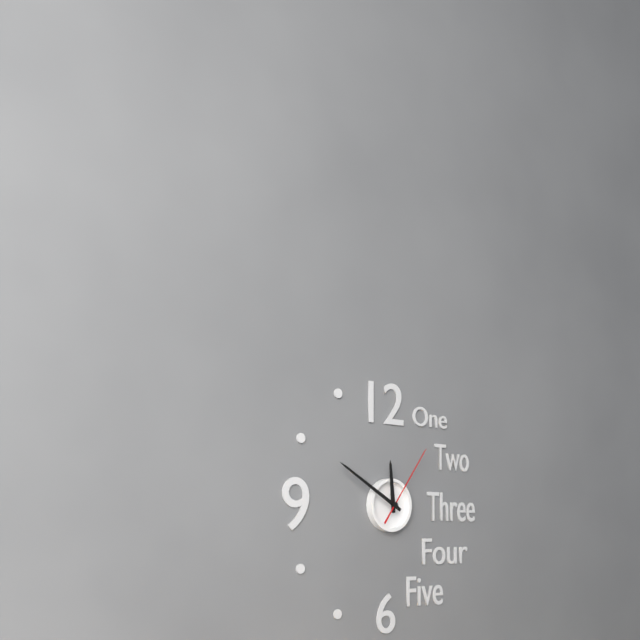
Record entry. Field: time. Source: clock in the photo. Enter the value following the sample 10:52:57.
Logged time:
11:50:06
